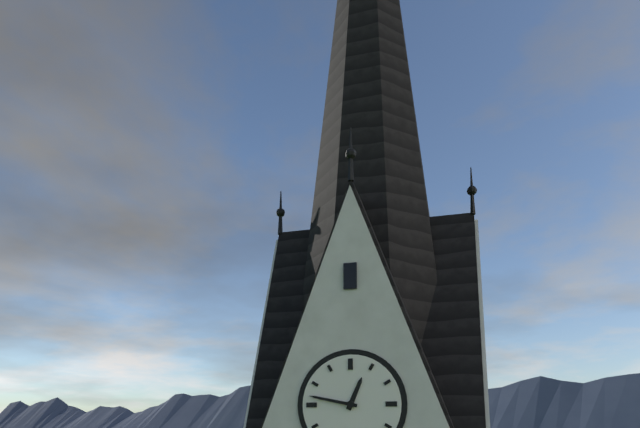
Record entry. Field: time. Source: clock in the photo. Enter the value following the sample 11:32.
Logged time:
12:47
